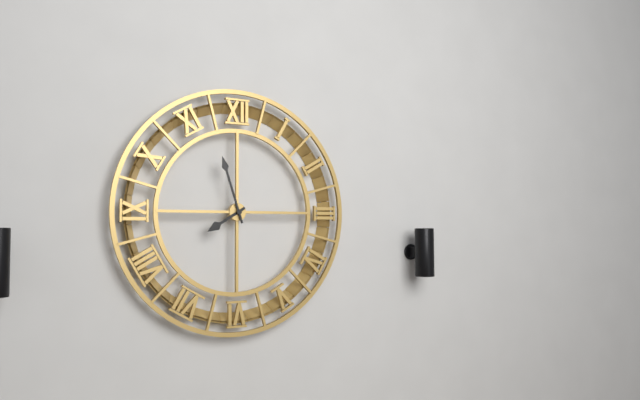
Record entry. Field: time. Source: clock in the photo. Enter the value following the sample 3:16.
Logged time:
7:57
